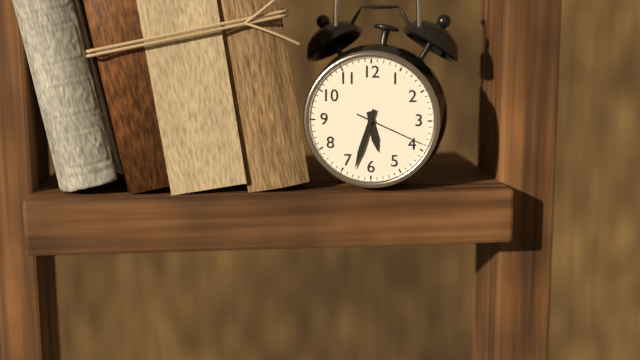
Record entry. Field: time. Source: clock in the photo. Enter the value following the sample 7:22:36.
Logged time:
5:33:19
